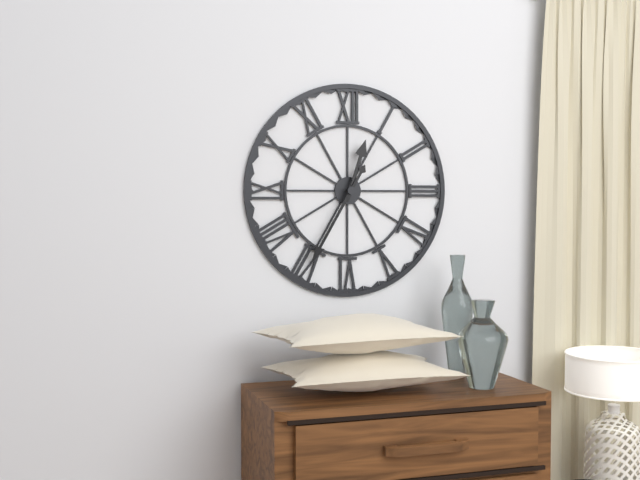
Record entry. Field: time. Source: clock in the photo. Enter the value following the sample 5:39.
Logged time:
12:35
